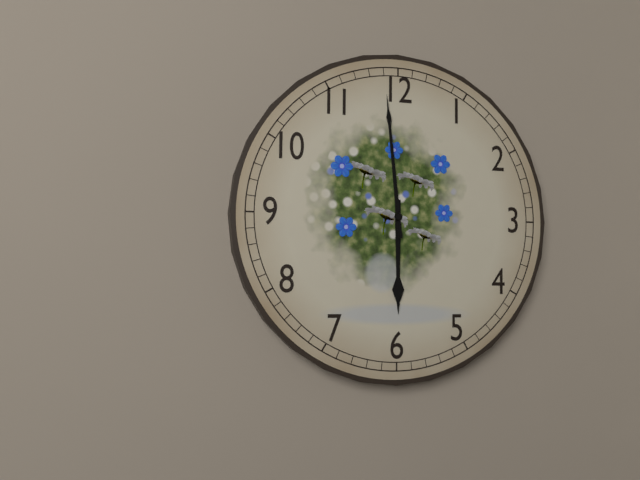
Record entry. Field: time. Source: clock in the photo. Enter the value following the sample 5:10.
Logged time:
5:59
